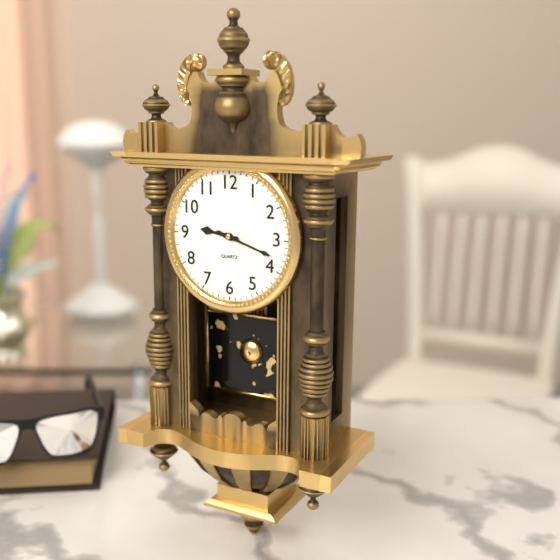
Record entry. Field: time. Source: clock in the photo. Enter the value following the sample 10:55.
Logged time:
9:18
